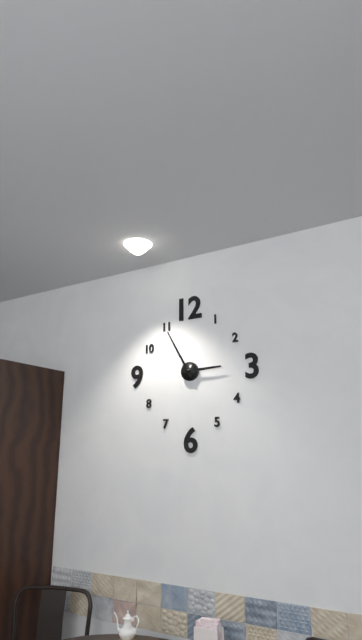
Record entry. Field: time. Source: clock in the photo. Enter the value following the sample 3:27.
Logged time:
2:55
